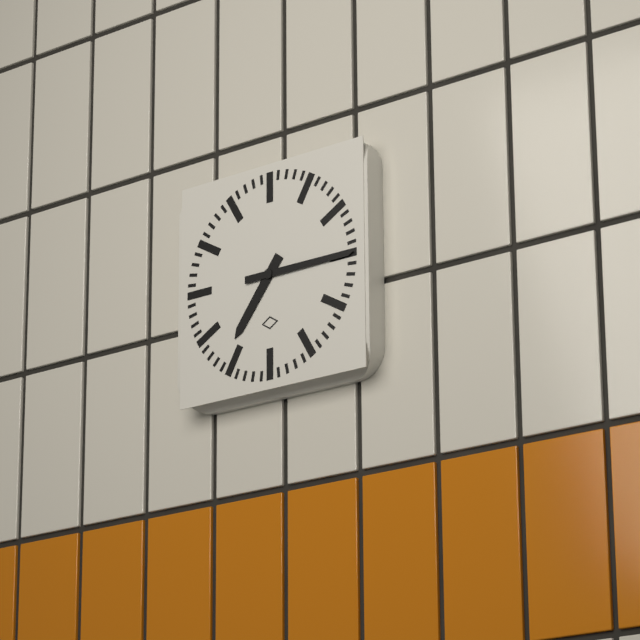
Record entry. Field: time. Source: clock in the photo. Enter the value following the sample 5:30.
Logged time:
7:15
